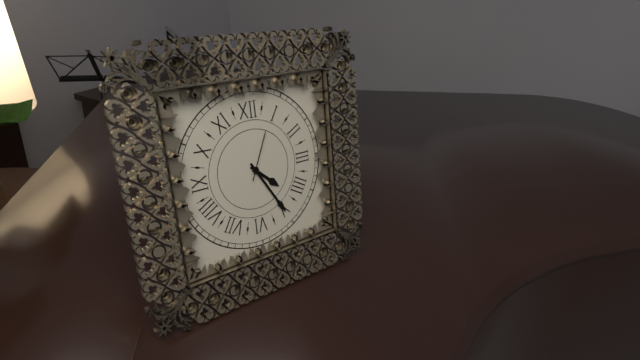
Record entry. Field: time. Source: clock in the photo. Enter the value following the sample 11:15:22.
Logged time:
4:25:04
